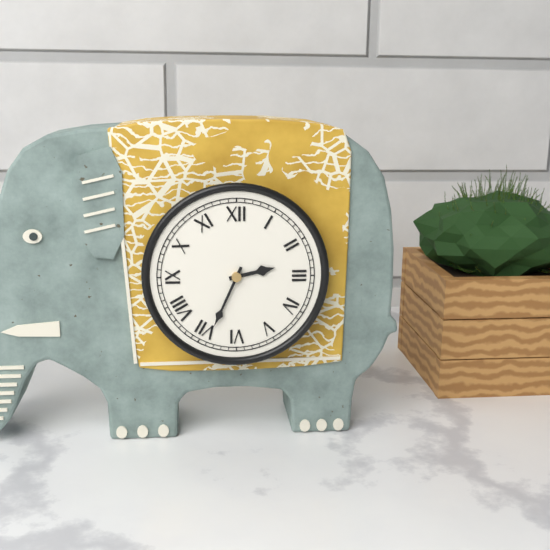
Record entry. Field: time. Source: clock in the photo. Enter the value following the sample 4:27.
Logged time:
2:34
